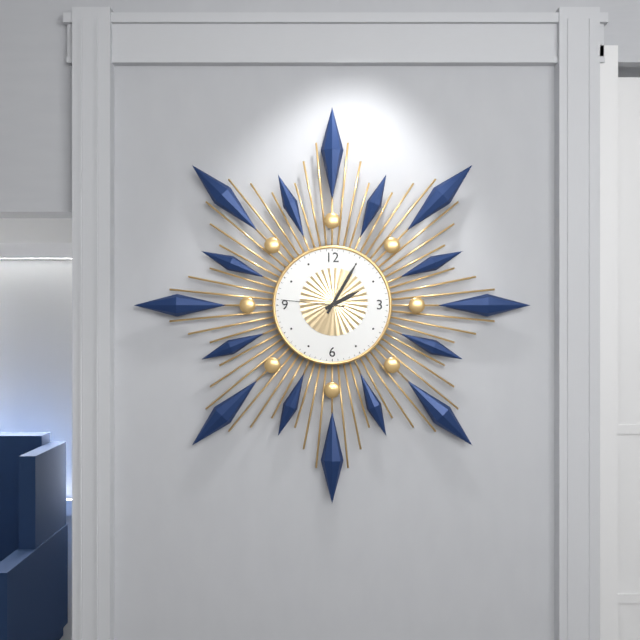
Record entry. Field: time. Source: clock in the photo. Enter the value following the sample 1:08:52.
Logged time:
2:05:46
